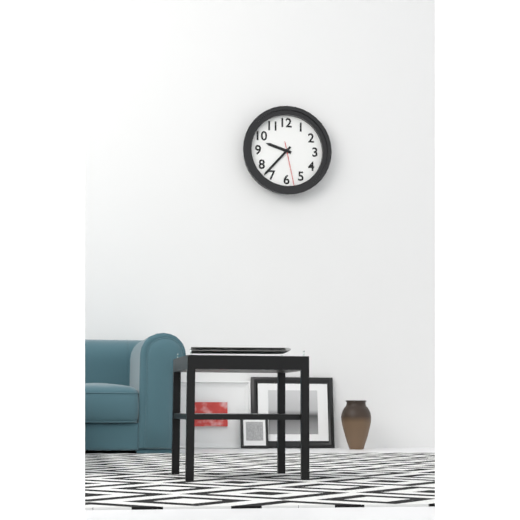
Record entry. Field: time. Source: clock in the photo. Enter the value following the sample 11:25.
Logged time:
9:37
